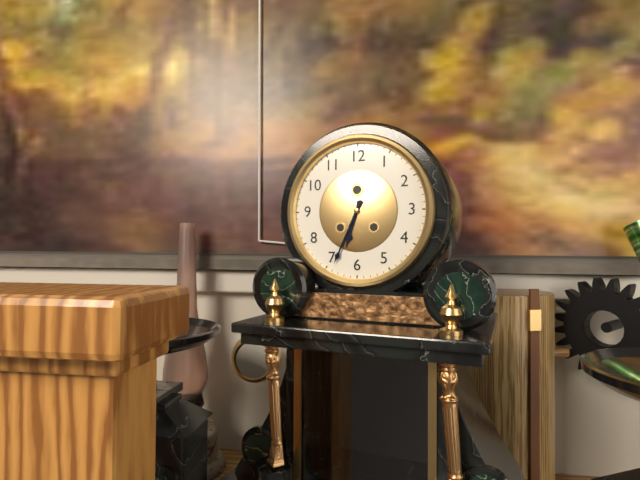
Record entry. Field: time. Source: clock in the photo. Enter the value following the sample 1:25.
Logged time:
6:34
